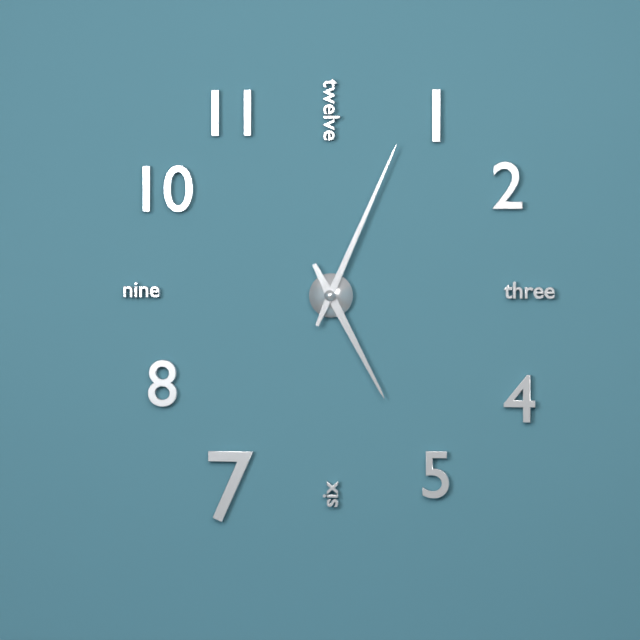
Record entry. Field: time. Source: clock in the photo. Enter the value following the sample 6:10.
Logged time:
5:04
